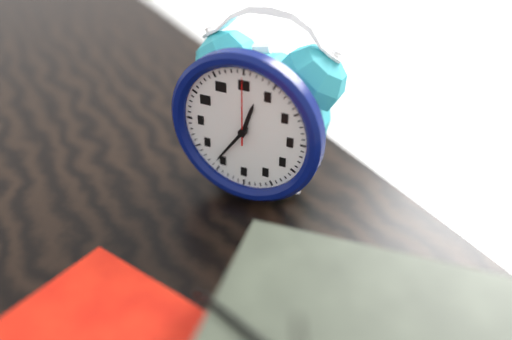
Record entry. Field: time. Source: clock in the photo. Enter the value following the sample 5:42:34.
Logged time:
12:36:00
